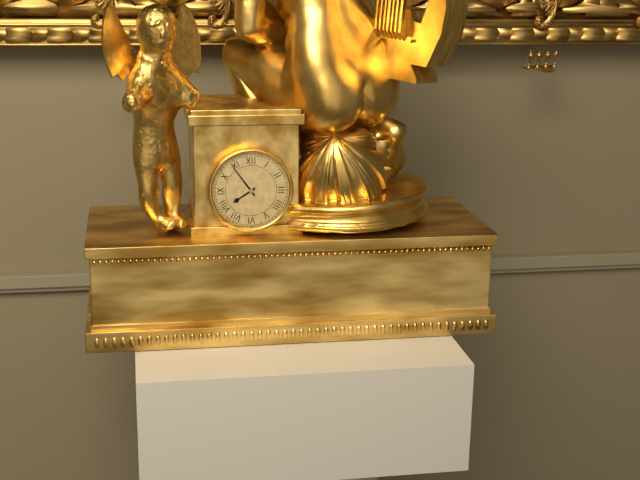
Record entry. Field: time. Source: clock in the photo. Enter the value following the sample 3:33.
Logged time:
7:54
